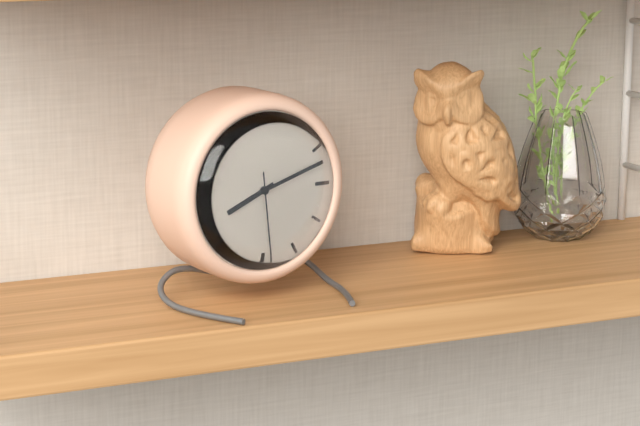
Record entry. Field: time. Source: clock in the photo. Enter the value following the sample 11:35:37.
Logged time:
8:12:29
